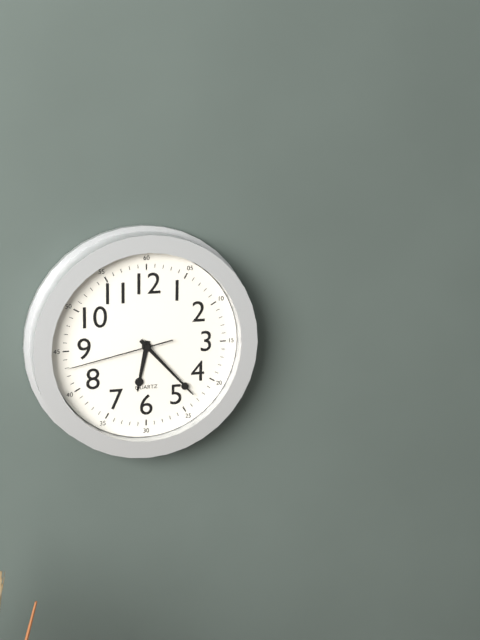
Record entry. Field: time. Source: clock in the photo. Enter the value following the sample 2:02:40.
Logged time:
6:23:43
